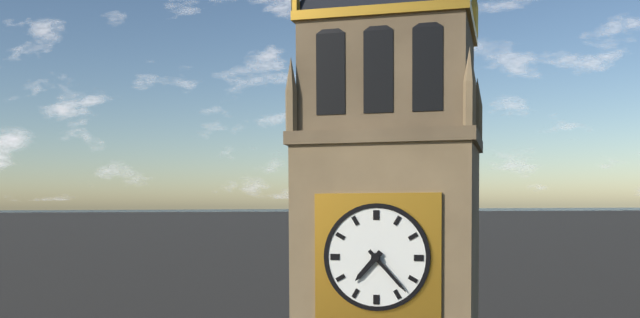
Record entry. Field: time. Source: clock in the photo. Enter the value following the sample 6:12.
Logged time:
7:23
